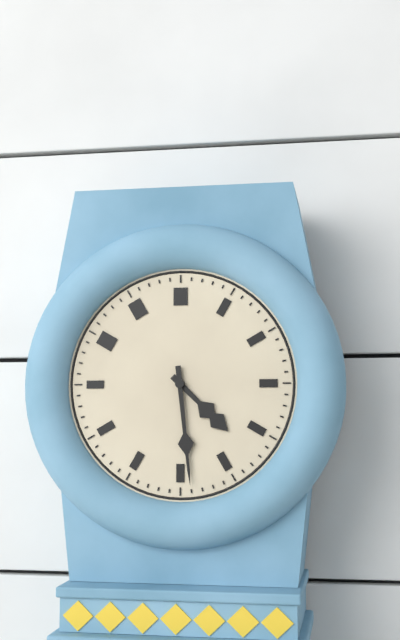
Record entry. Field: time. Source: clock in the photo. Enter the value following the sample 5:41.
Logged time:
4:29
